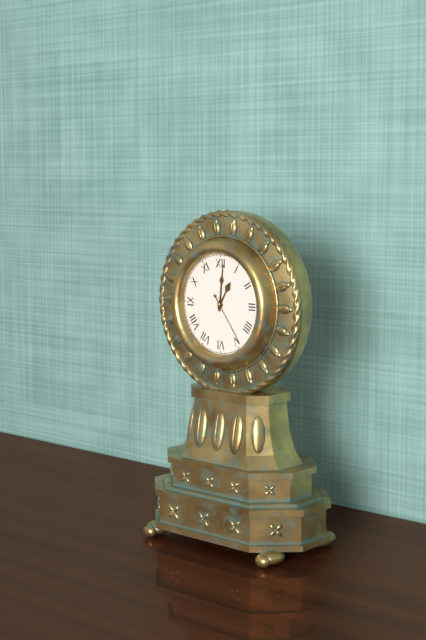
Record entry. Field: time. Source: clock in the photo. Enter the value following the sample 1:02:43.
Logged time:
1:01:24
